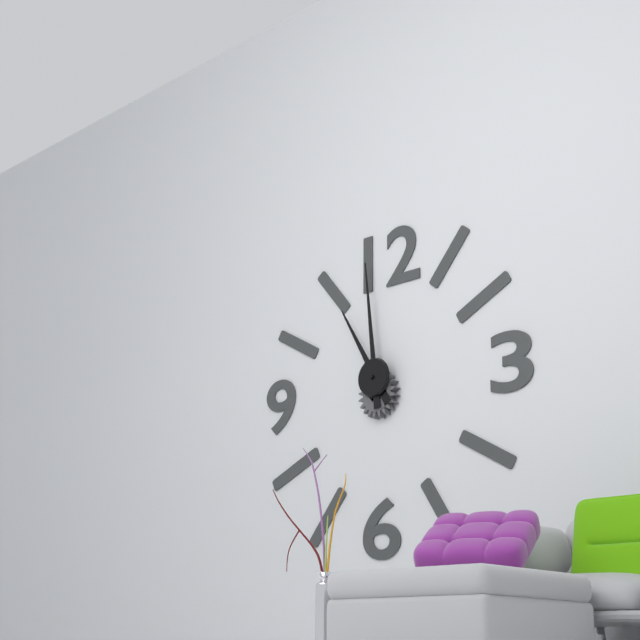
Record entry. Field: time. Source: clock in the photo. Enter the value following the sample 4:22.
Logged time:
10:59
